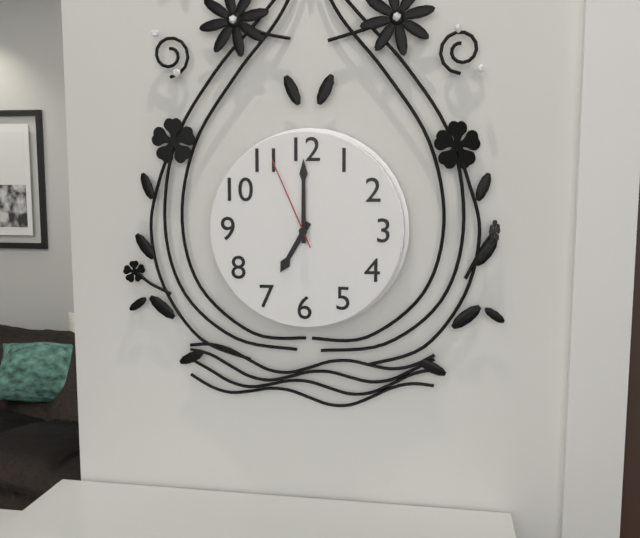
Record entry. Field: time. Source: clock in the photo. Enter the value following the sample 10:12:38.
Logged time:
7:00:56
